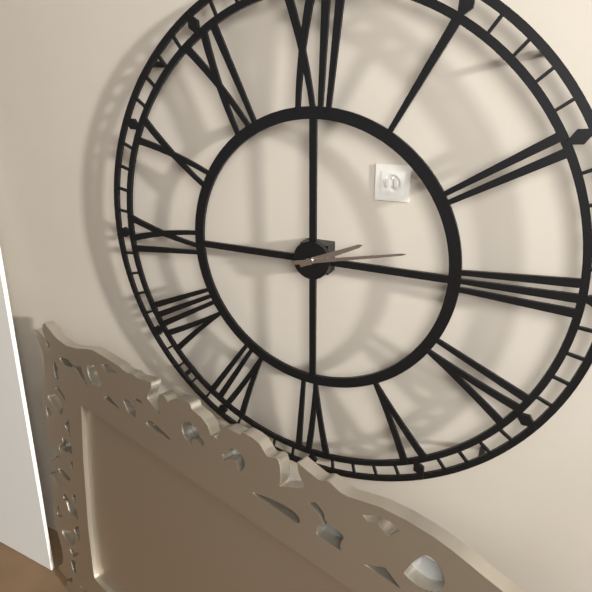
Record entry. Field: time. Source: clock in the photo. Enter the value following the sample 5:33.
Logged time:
2:13
